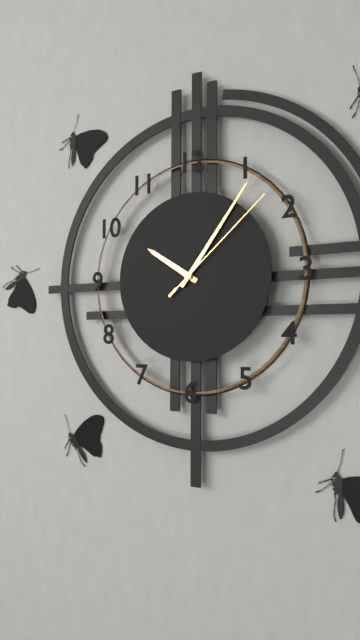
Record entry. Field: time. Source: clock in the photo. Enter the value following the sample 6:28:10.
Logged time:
10:06:08
